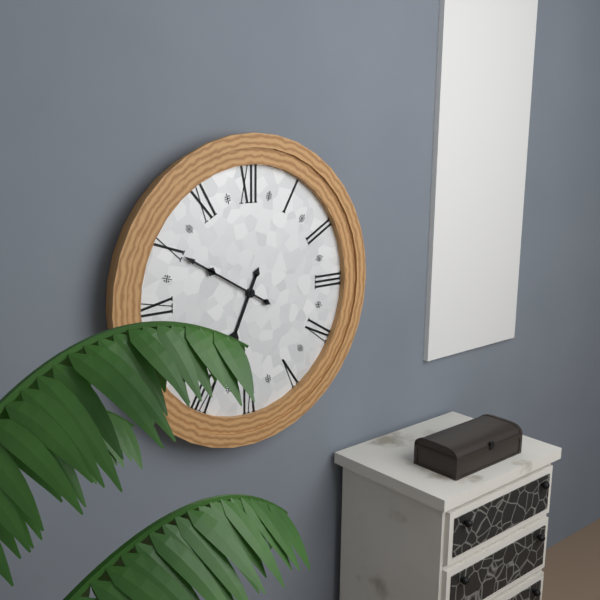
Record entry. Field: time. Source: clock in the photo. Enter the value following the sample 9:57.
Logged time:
6:50
